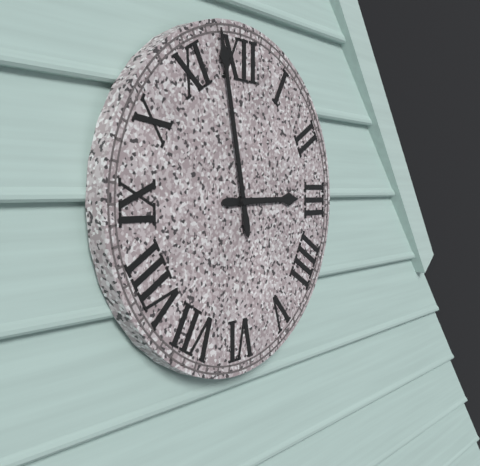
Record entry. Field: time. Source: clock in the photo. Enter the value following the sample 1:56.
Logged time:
2:58
